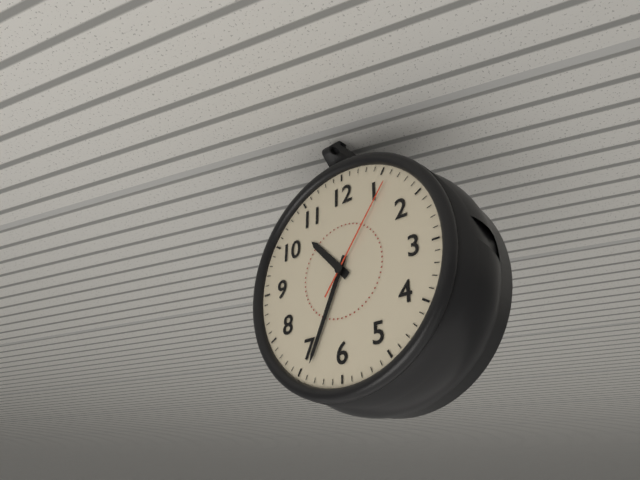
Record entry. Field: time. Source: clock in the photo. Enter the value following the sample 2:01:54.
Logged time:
10:34:06
